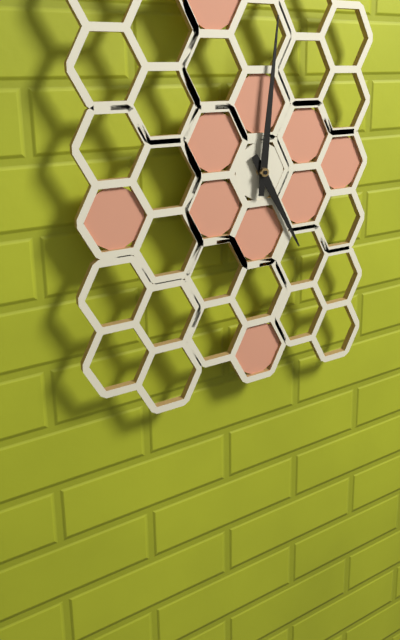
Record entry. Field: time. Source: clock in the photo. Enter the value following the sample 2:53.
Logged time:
5:01
